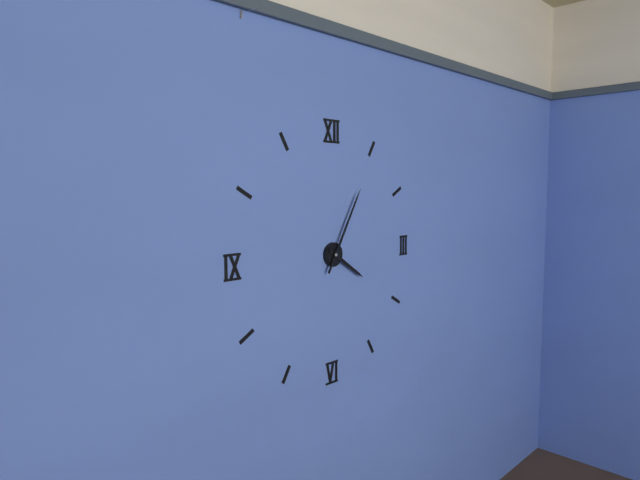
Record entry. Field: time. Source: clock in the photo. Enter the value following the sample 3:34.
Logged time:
4:05
